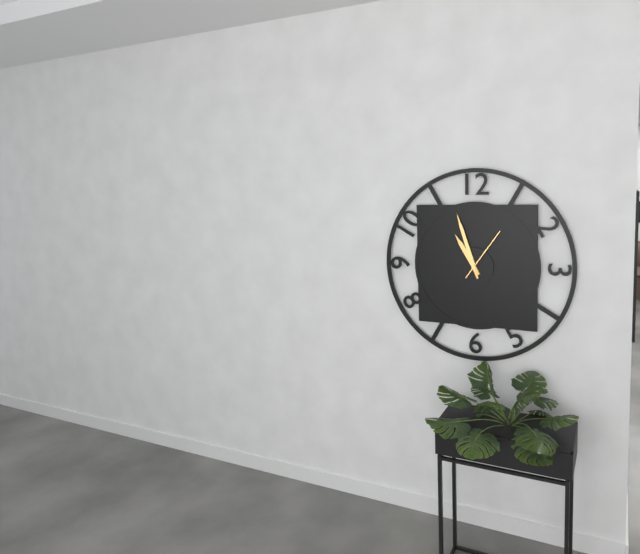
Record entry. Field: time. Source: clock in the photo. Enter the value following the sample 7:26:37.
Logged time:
10:57:06
